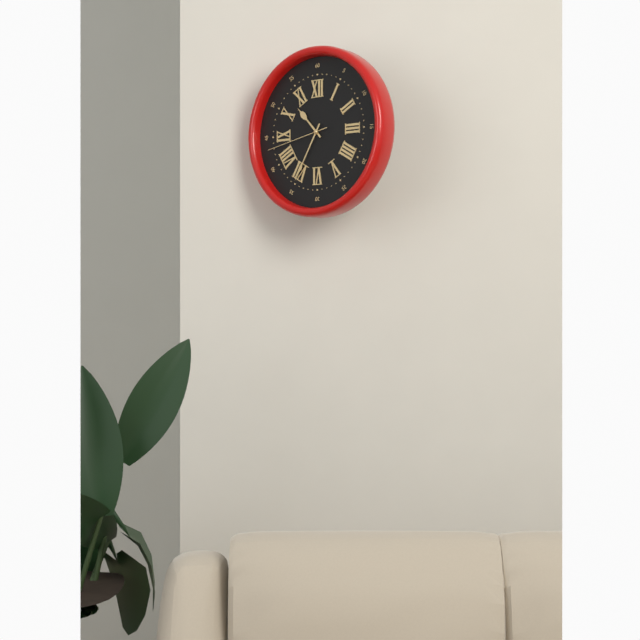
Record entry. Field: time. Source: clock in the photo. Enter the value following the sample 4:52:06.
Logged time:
10:35:43
